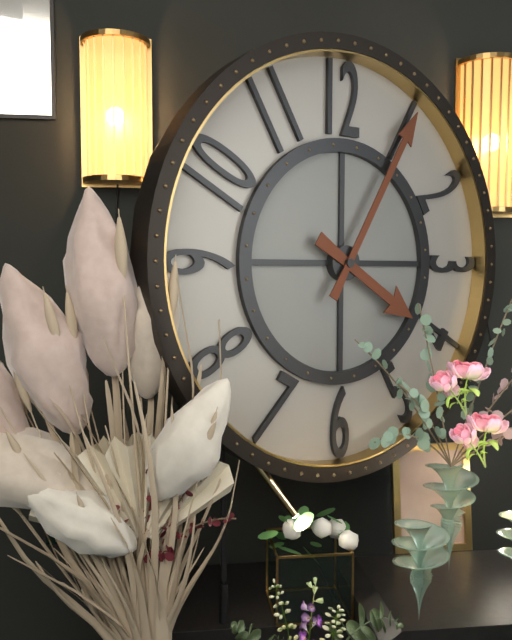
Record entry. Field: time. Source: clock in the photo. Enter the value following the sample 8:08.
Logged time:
4:05
